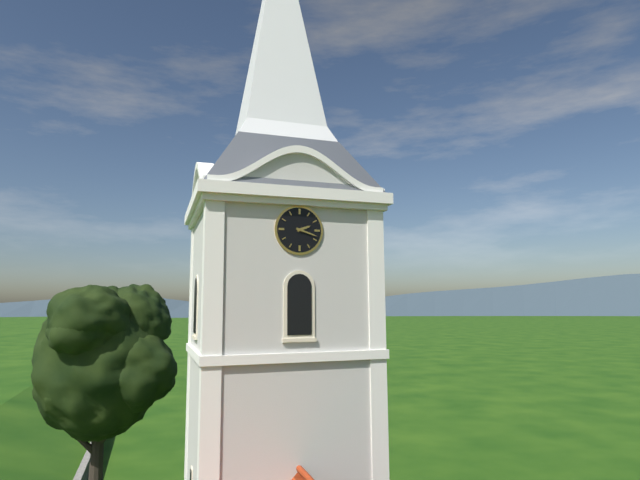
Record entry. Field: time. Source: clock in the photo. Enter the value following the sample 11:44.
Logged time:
2:18
